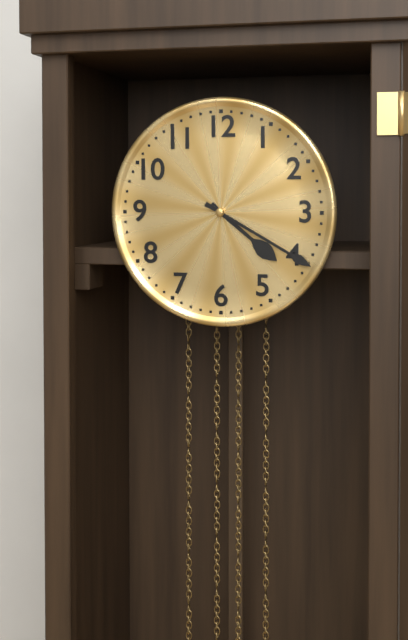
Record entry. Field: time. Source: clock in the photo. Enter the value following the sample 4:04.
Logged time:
4:20
